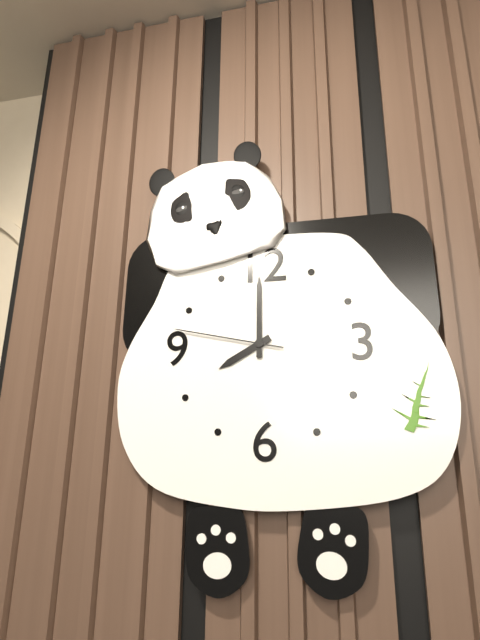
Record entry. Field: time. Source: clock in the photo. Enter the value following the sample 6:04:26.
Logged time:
8:00:47
